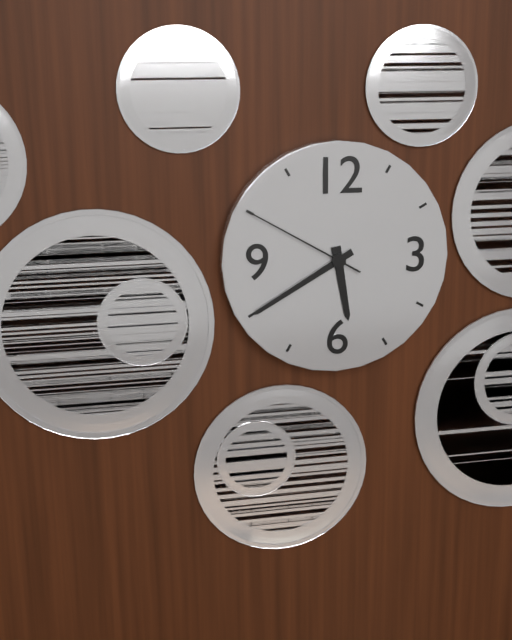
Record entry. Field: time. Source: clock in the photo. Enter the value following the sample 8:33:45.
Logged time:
5:40:50
